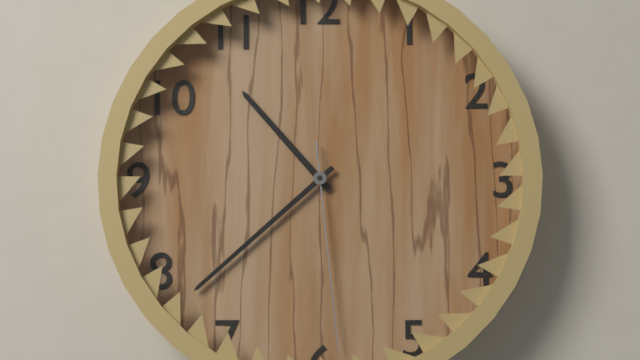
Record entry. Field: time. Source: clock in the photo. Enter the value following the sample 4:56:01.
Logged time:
10:38:29
